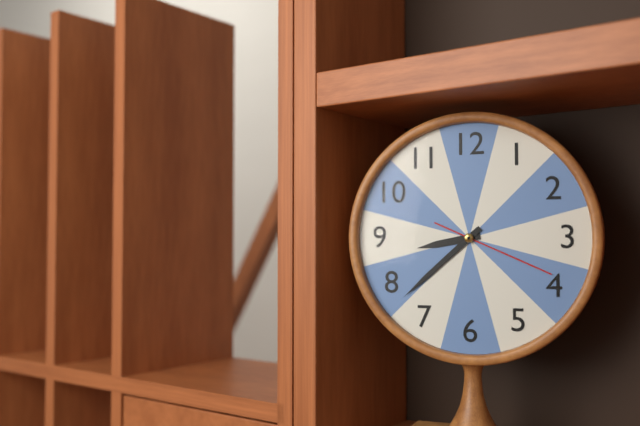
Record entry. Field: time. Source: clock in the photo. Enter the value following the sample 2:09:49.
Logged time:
8:38:19
